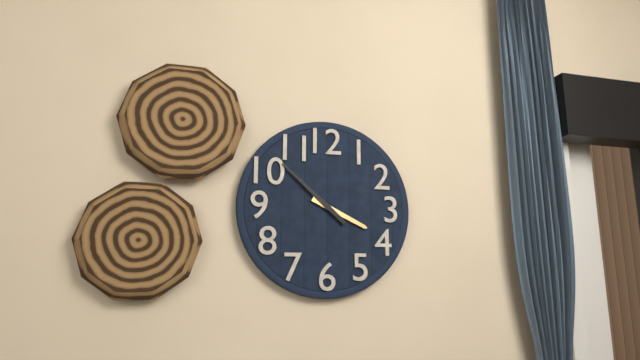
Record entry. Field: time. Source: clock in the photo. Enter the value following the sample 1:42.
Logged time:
3:52
